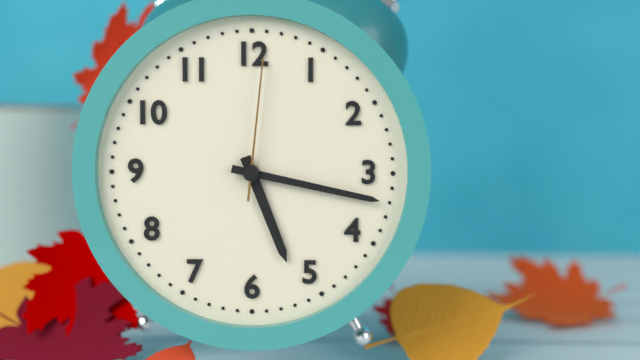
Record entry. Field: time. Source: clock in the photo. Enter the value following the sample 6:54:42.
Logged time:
5:17:01
